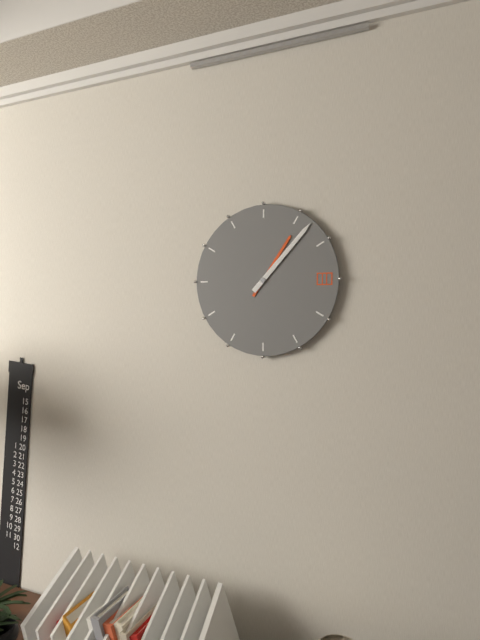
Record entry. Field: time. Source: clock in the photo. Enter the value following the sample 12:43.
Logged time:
1:07
